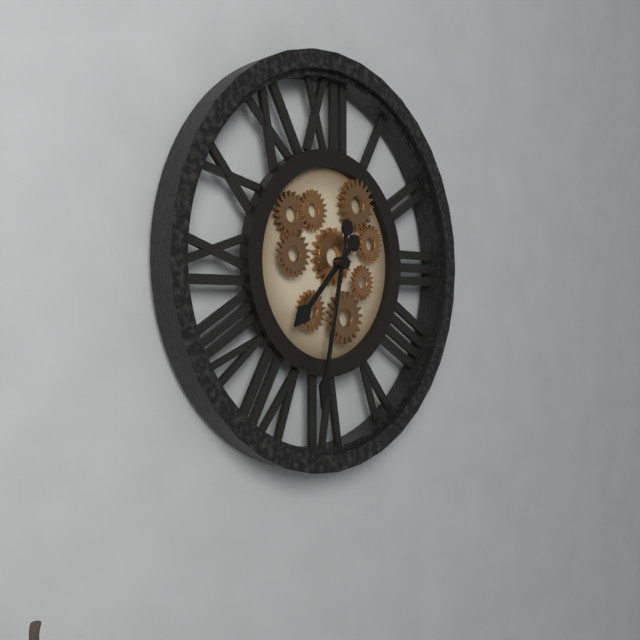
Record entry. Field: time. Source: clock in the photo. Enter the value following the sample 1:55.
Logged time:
7:32
